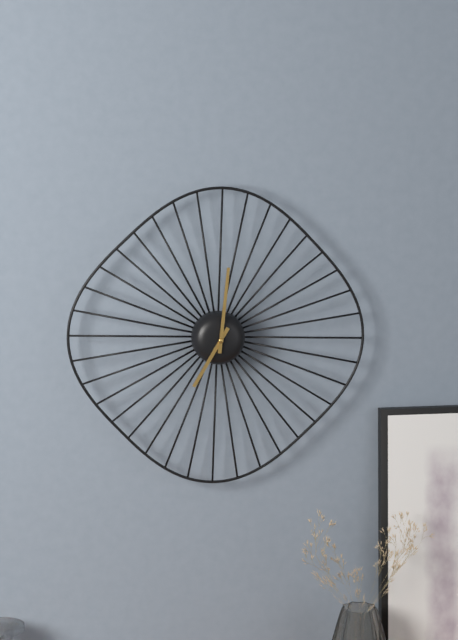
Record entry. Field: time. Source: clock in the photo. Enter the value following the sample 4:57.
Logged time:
7:01
